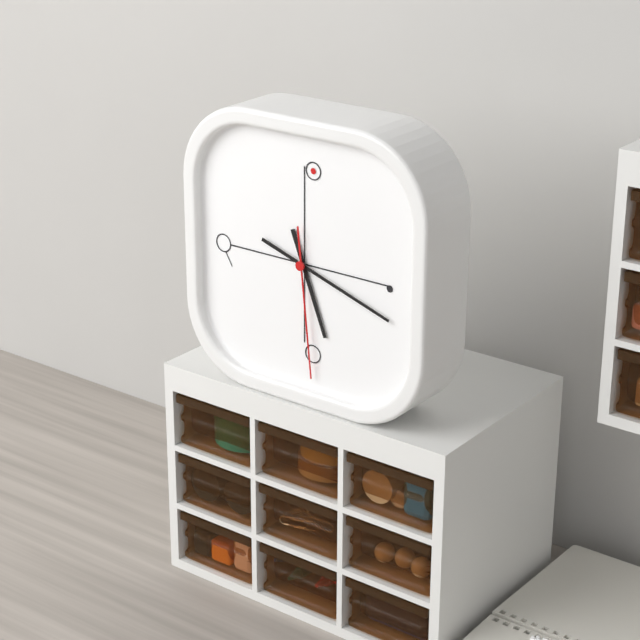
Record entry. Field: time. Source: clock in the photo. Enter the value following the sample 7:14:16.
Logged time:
5:18:29
